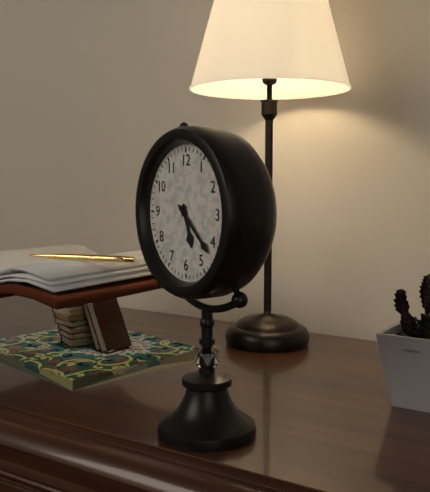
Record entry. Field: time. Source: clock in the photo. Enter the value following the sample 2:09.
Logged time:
5:22
